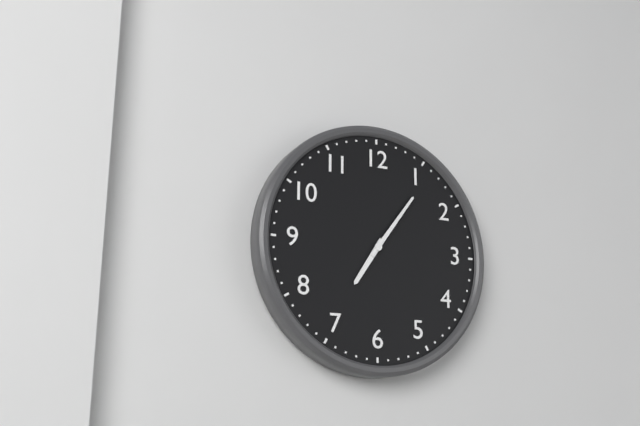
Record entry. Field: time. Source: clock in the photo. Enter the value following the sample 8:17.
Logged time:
7:06
